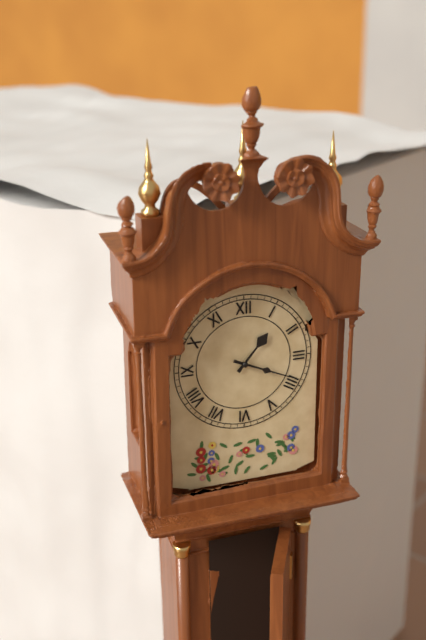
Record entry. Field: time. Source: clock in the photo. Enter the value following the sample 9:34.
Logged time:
1:19
